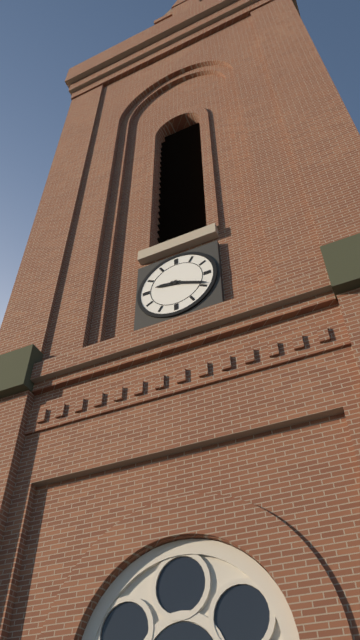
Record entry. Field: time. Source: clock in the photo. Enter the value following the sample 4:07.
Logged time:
9:19
